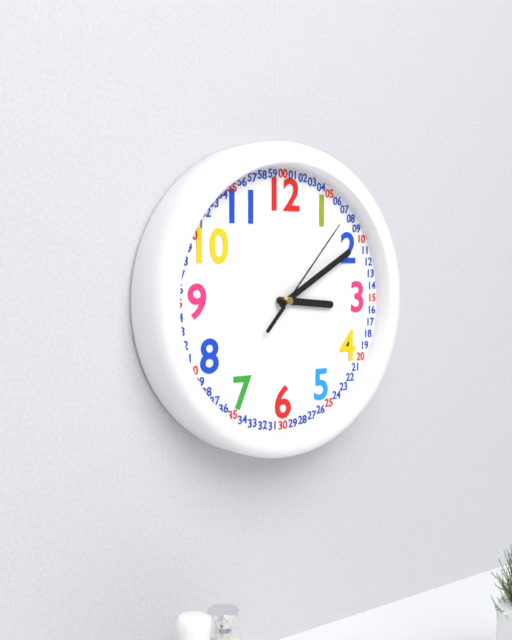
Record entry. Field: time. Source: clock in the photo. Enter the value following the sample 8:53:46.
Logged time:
3:10:07
